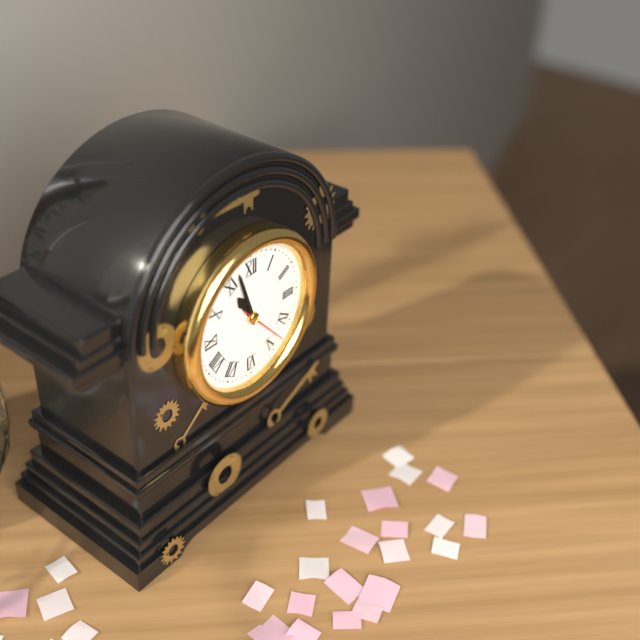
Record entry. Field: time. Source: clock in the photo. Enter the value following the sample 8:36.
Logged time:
10:57
